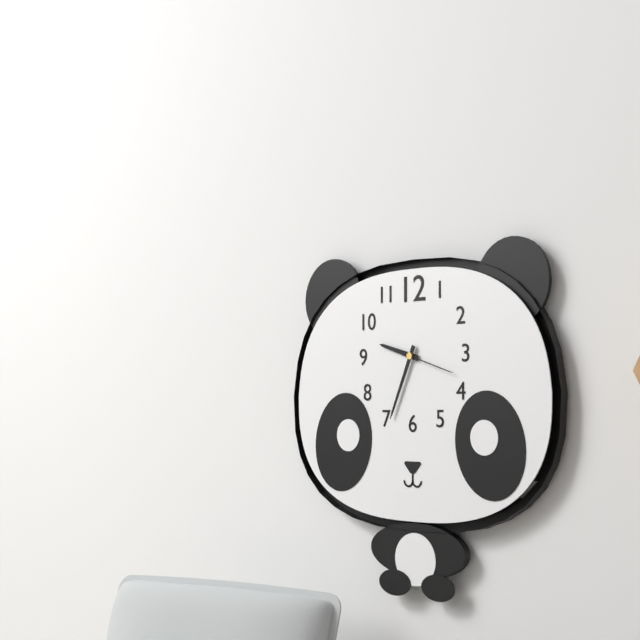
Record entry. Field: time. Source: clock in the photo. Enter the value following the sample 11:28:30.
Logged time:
9:34:18
